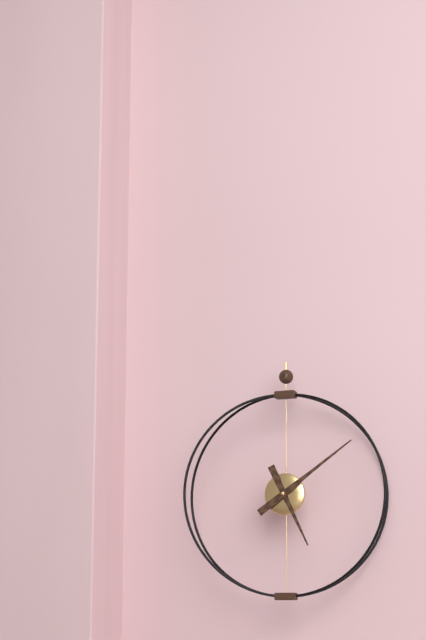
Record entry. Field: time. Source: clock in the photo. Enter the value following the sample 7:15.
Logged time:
5:09
